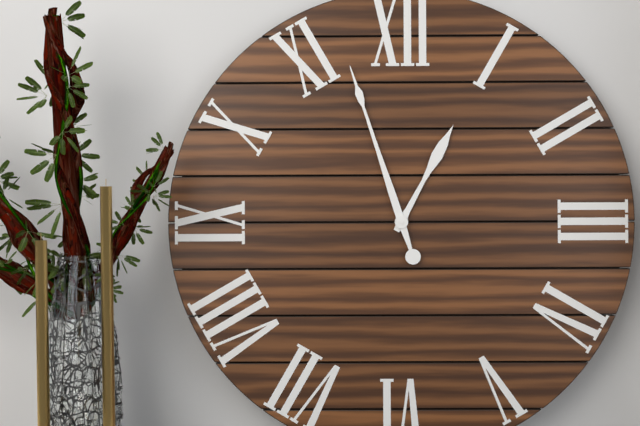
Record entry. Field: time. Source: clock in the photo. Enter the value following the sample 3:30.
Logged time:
12:57
